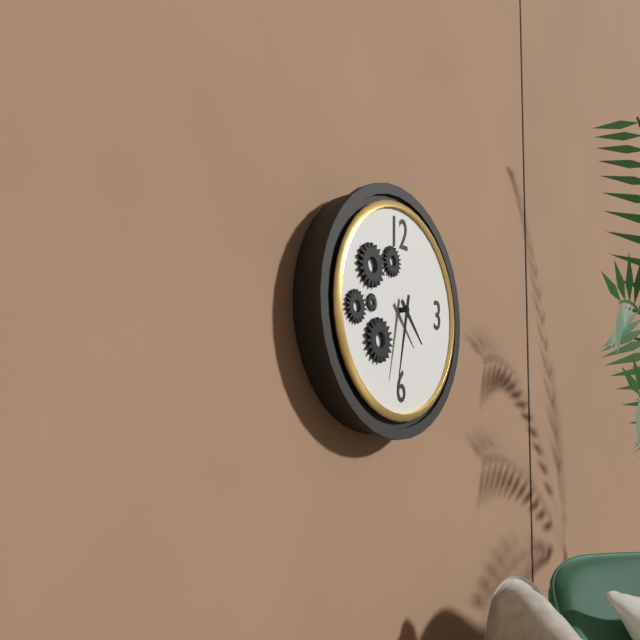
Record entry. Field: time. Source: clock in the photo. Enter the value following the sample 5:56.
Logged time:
4:32
